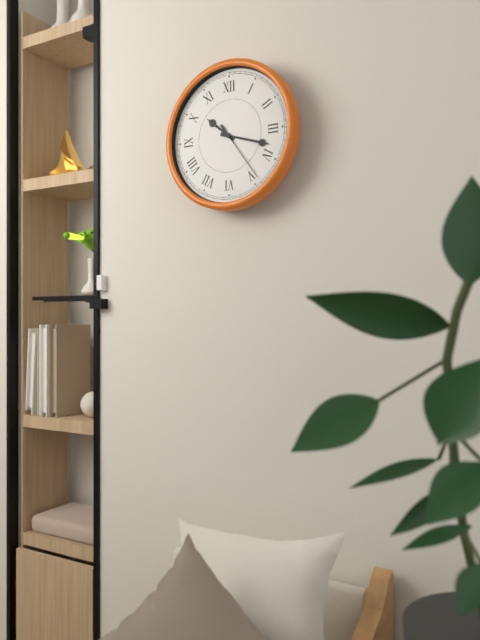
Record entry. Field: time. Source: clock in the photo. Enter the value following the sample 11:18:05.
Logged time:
10:18:24
